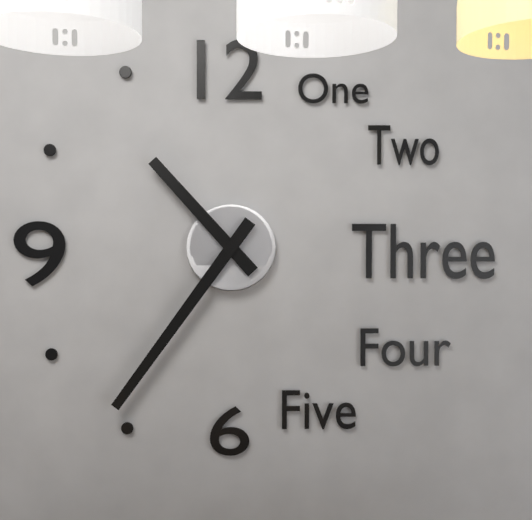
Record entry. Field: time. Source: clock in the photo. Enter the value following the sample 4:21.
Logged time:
10:36
